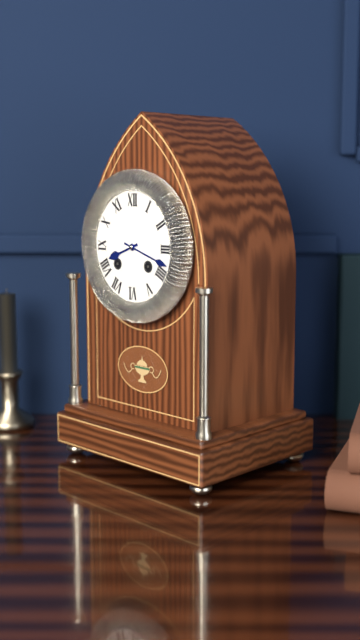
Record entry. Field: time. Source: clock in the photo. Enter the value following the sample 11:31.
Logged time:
8:18
